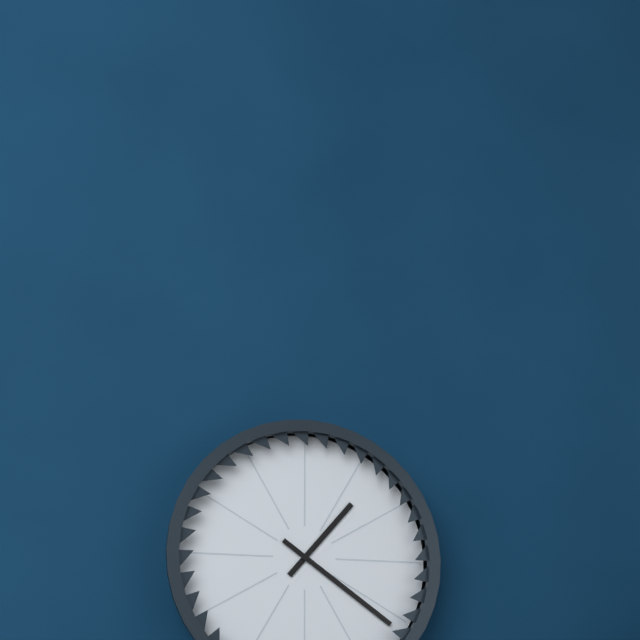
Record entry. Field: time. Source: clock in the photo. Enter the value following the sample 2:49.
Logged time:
1:21
